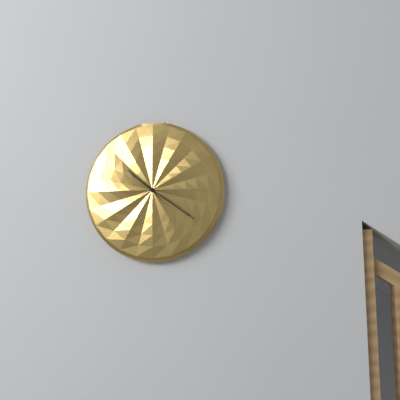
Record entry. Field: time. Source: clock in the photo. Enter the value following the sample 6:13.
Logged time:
10:21
